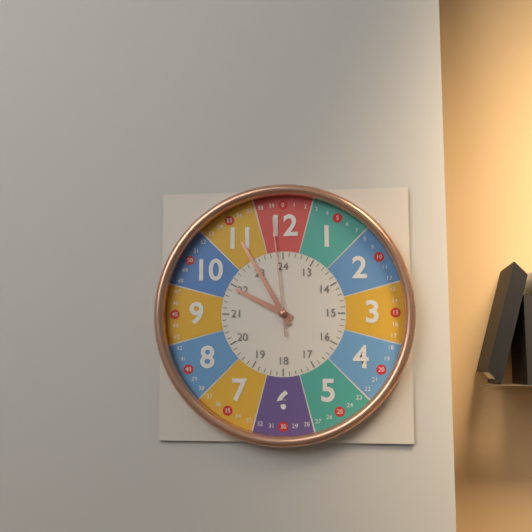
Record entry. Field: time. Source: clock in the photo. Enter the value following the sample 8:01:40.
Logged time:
9:55:59
